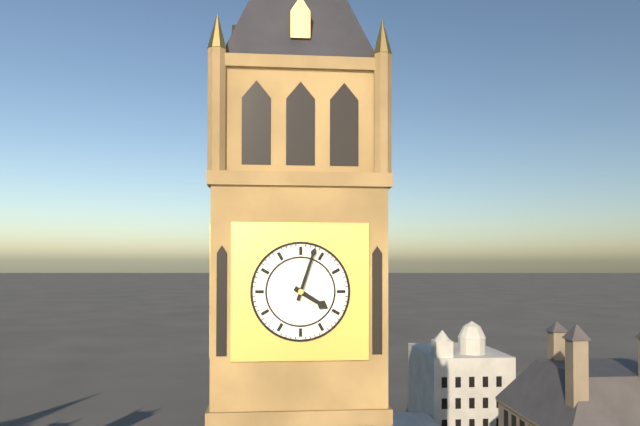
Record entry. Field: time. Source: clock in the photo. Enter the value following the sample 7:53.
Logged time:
4:03
